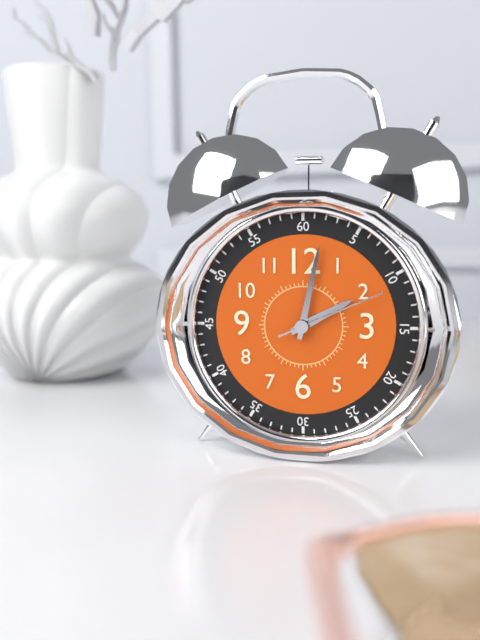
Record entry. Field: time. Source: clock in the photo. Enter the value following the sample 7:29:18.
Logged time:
2:02:11
